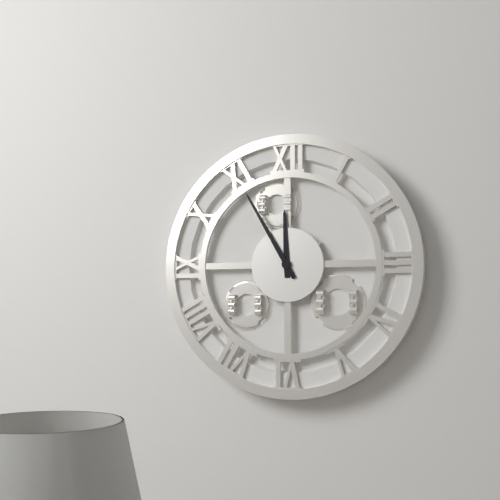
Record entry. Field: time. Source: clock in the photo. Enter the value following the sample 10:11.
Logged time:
11:55
